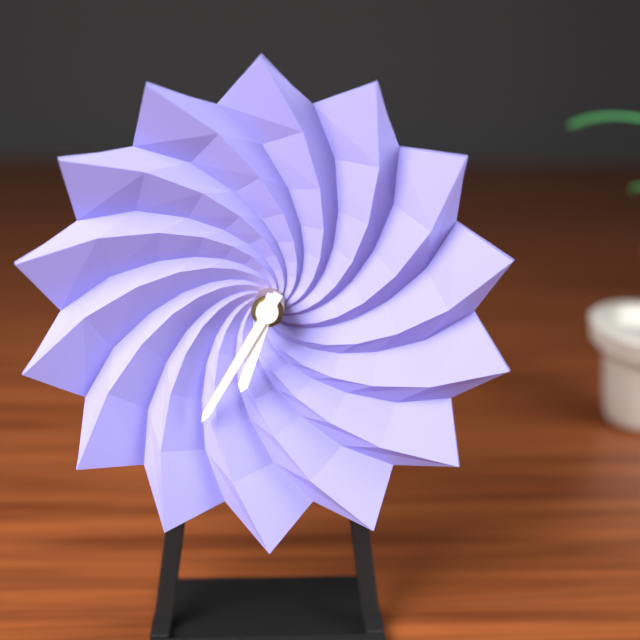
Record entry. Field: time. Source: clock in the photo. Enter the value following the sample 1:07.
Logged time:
6:35
